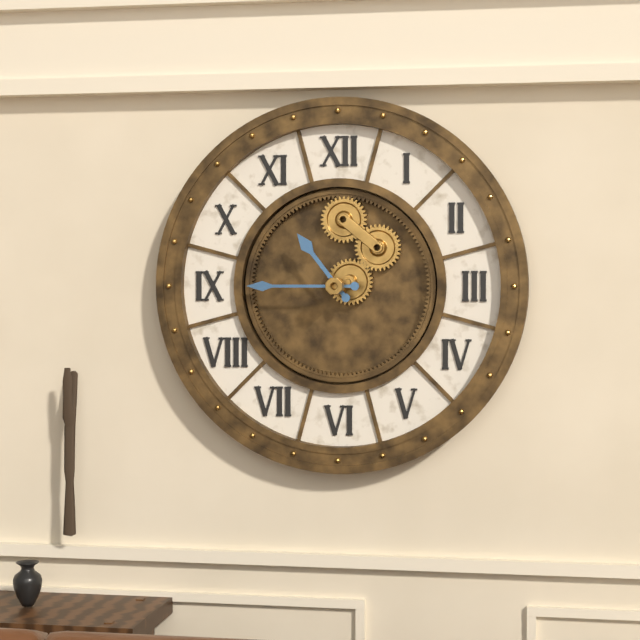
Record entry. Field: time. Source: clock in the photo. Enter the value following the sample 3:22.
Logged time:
10:45
